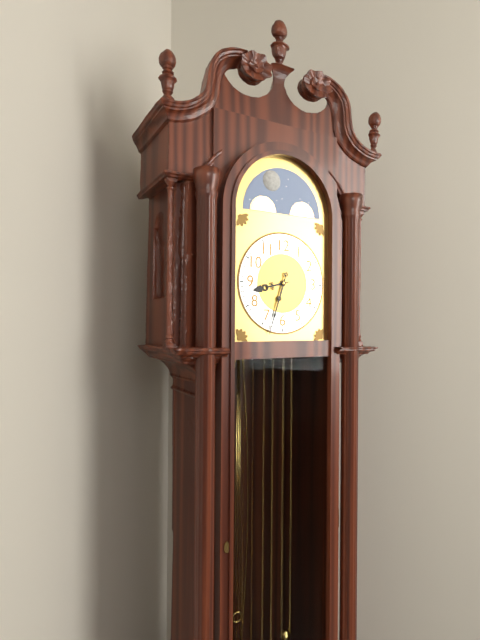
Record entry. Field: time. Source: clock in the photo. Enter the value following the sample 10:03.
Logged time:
8:33
